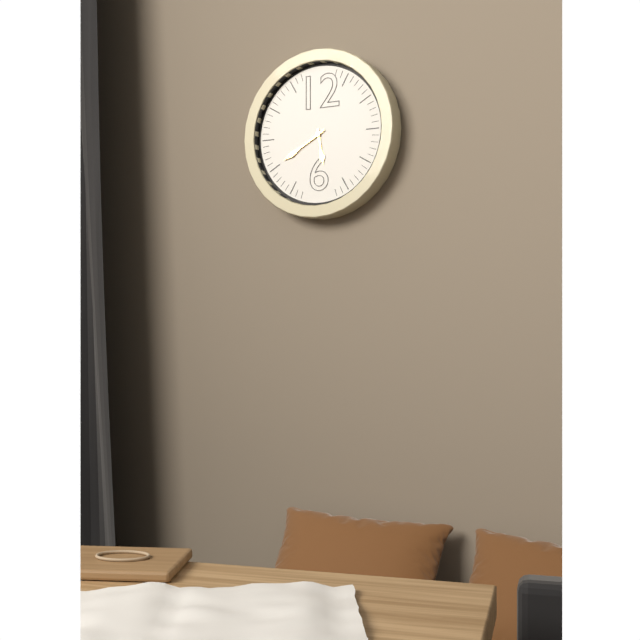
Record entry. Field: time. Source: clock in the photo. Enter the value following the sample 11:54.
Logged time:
5:40
